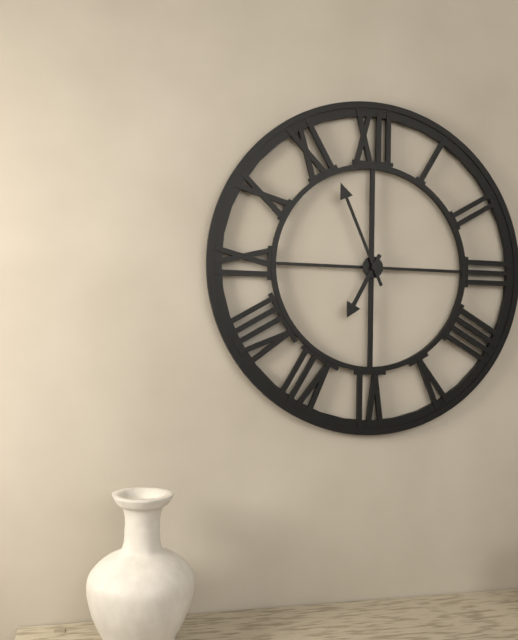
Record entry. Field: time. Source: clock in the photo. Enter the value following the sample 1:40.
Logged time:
6:56
